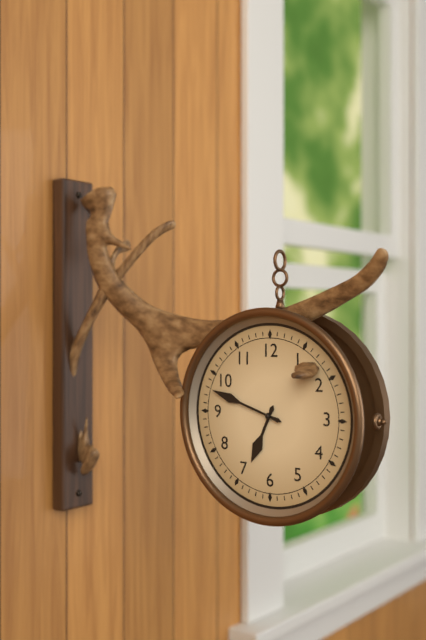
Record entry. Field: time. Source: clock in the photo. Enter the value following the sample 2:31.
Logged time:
6:48
